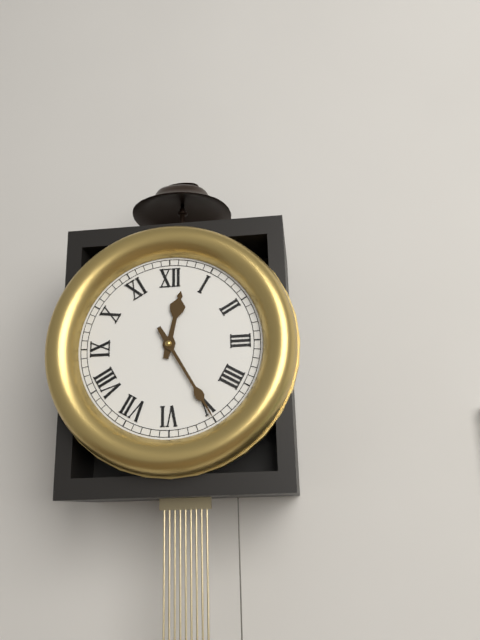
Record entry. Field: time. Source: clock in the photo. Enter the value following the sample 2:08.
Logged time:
12:25
